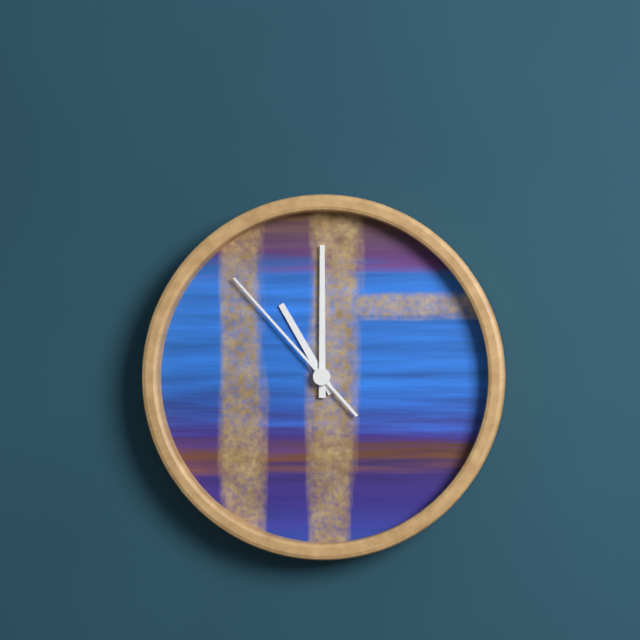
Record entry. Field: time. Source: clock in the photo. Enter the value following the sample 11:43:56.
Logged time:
11:00:53
